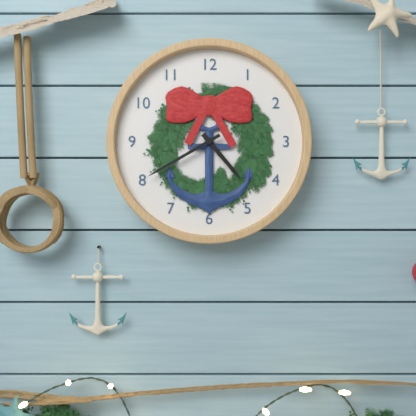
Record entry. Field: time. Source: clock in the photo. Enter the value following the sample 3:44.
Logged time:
4:40
